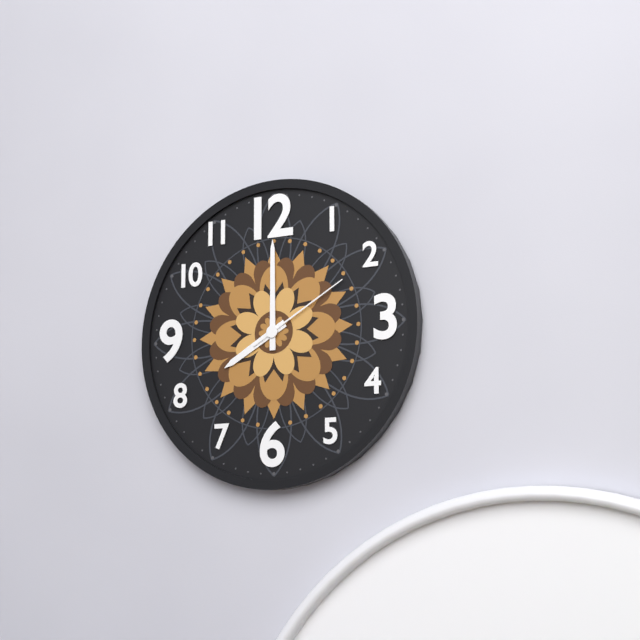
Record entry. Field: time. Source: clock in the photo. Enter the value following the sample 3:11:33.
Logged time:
8:00:10
